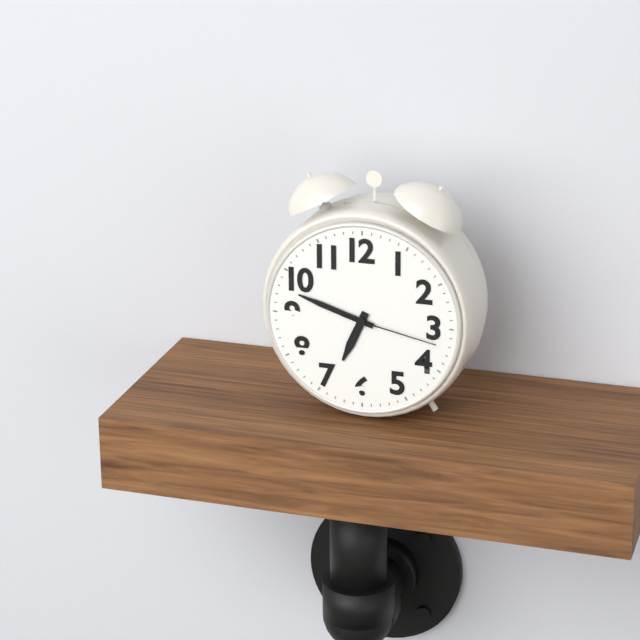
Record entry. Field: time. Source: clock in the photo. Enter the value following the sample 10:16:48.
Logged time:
6:48:17
